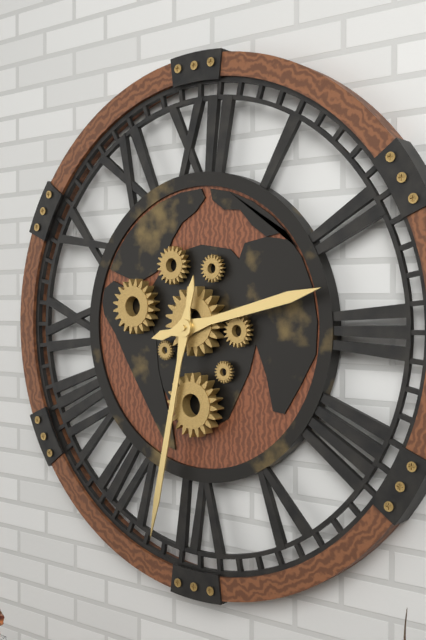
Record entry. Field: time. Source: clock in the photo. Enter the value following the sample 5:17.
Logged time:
2:32
